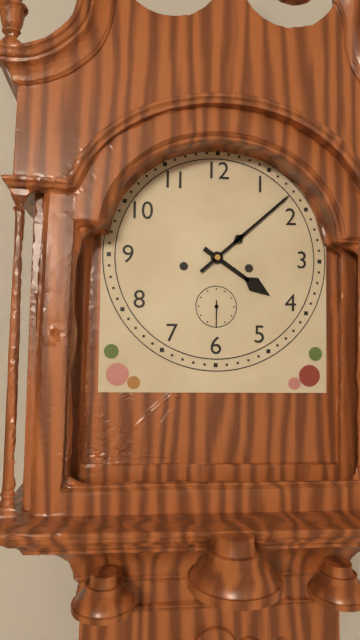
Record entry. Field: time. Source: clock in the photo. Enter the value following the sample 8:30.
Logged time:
4:08
